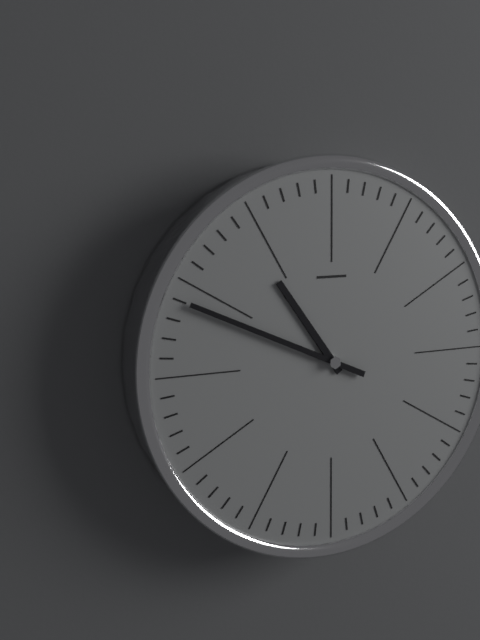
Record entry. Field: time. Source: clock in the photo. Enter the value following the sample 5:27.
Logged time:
10:49
